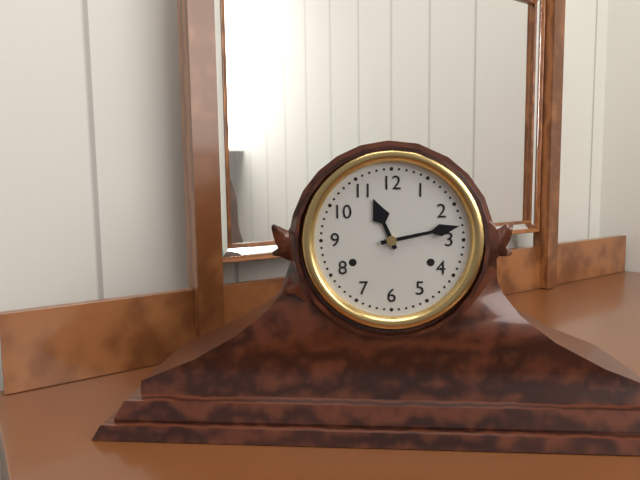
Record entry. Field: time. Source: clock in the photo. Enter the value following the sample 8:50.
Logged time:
11:13
